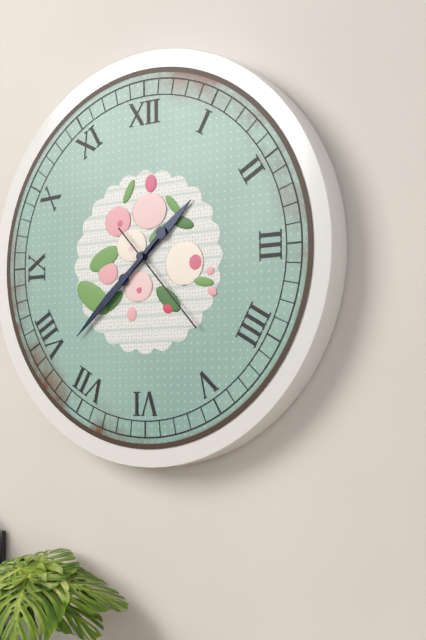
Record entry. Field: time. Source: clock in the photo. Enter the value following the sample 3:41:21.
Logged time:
1:38:23
